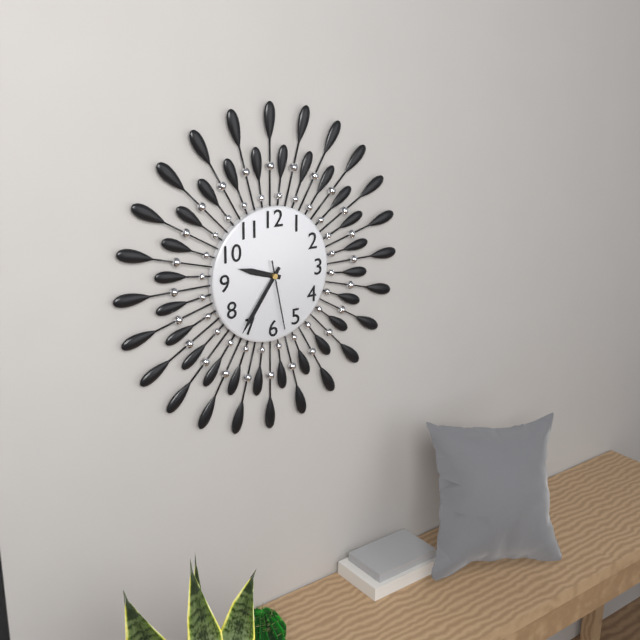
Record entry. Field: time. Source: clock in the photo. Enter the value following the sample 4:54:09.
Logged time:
9:36:28
